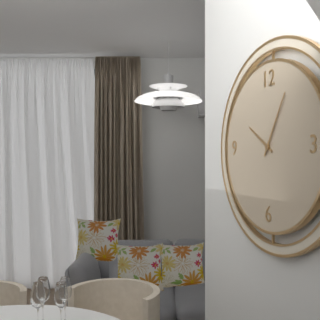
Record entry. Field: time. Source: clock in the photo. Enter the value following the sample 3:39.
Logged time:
10:05
